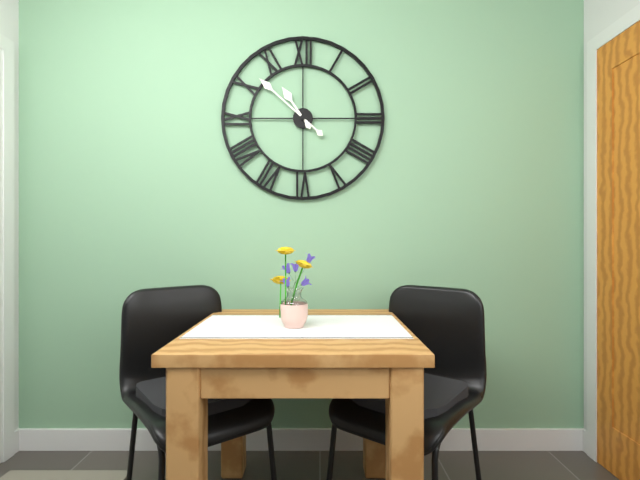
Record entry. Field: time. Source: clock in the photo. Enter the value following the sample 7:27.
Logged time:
10:52
